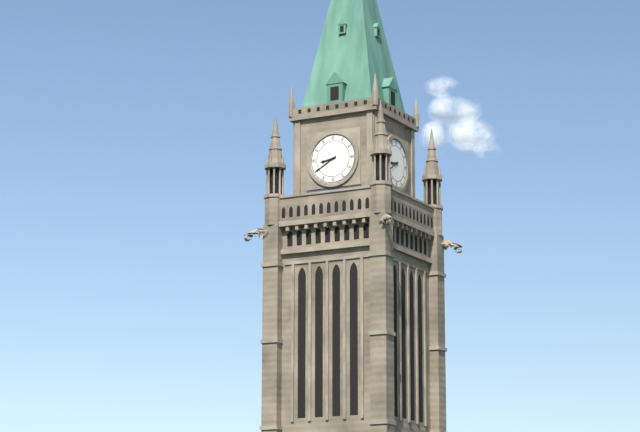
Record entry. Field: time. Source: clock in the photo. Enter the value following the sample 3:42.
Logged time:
8:40
